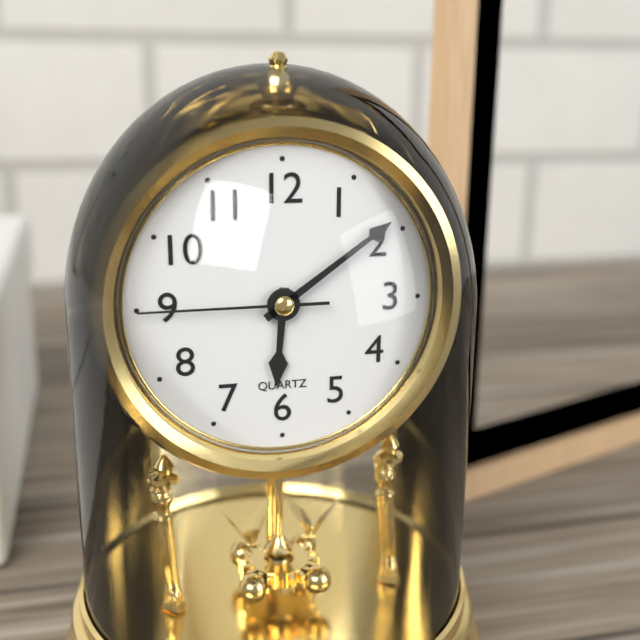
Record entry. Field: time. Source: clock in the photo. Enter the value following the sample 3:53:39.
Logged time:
6:09:45
